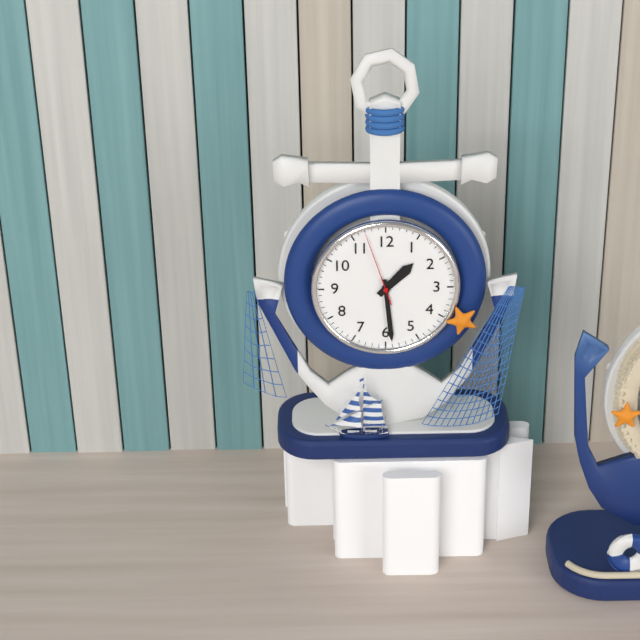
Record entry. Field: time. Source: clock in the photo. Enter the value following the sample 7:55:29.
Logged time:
1:29:57
